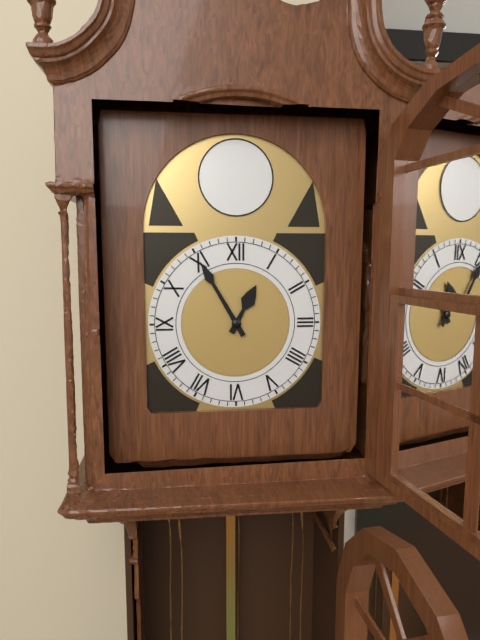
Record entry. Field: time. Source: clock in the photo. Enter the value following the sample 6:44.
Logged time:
12:55
